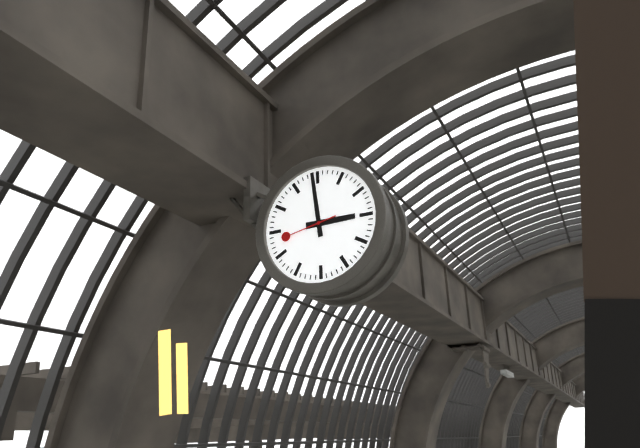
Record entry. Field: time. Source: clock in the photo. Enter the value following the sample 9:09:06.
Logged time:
2:59:43
